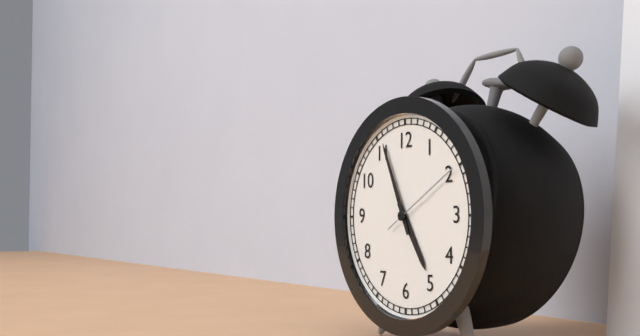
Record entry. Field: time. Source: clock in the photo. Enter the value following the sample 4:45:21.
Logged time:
4:56:10
